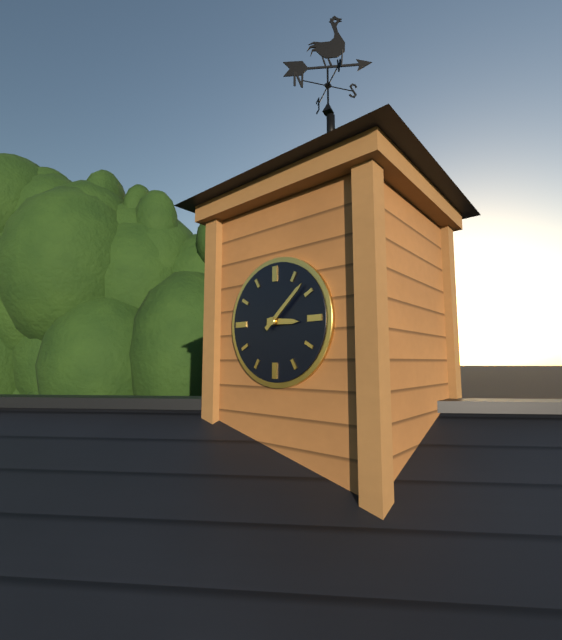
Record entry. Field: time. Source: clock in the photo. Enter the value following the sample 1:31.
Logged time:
3:08
